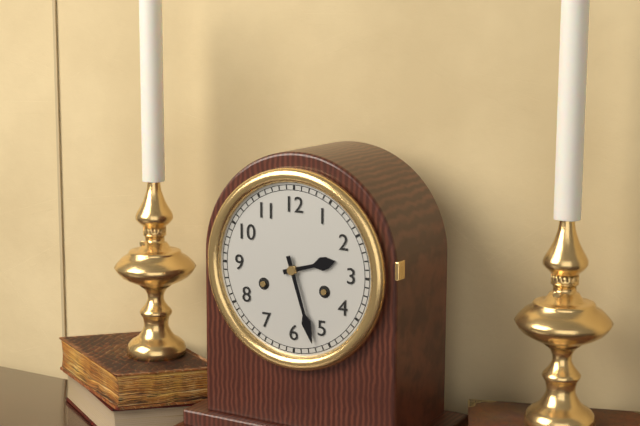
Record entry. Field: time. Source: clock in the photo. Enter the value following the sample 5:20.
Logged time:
2:27
